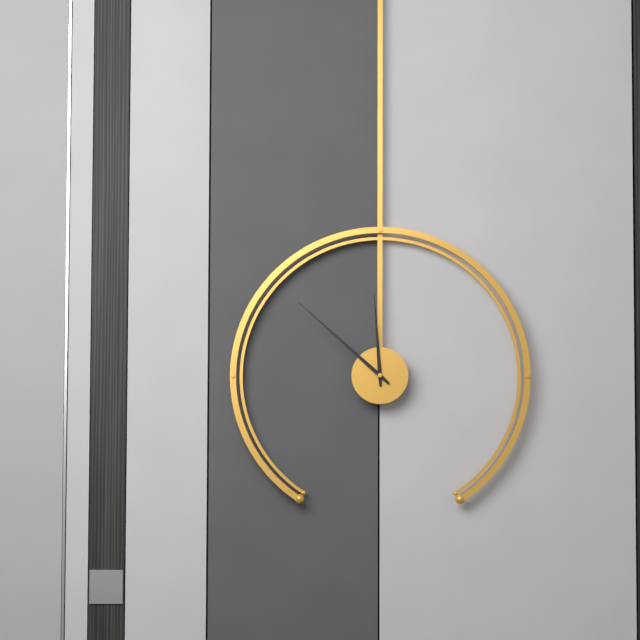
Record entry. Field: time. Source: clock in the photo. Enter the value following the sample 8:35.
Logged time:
11:52
